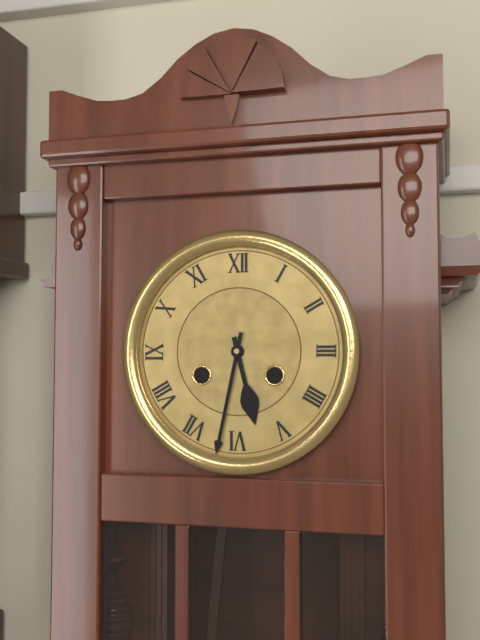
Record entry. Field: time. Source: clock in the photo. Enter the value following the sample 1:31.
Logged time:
5:32
